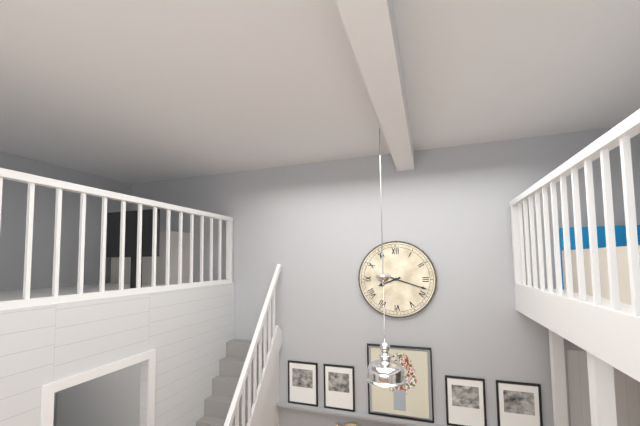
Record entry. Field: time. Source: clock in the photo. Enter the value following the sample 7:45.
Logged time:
8:18
